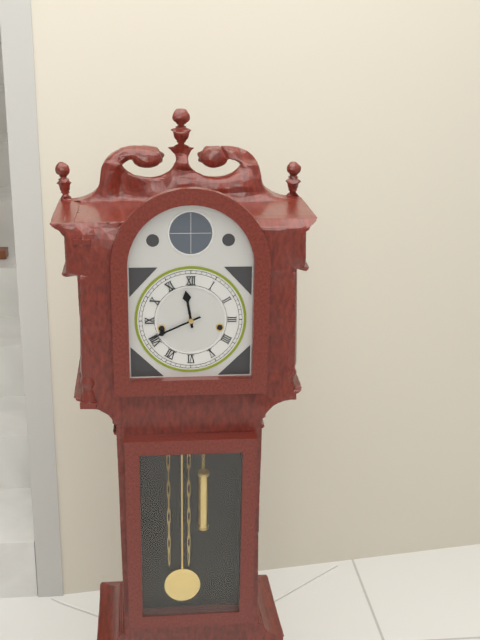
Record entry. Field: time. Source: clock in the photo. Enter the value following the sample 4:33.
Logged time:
11:41
